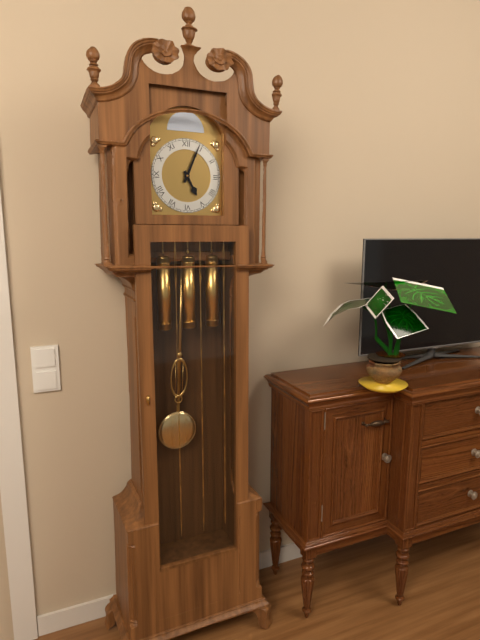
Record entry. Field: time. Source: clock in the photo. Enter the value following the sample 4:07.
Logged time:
5:04
